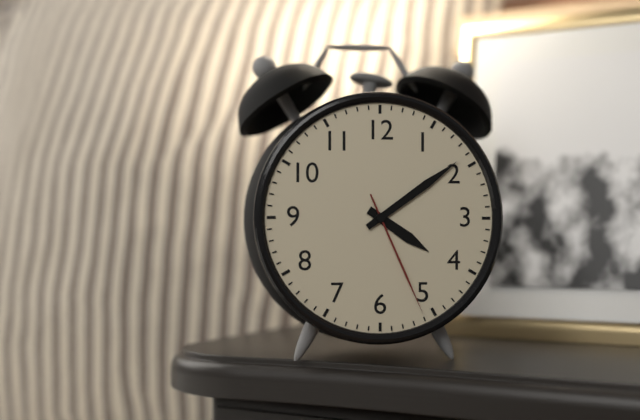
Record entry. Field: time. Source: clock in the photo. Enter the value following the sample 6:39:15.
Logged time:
4:09:26
